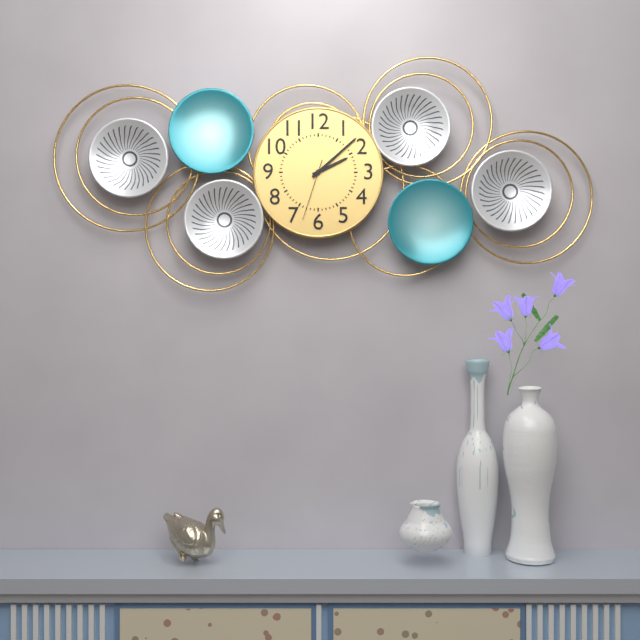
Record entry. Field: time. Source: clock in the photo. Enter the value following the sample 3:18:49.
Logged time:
2:08:33
